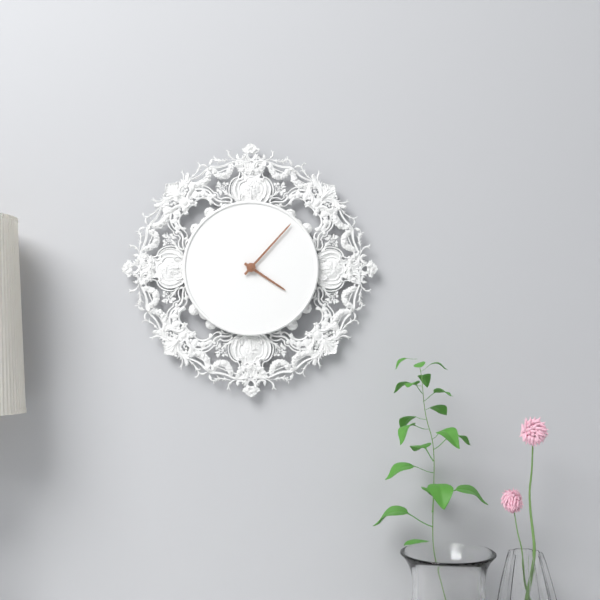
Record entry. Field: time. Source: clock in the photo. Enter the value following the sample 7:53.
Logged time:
4:07
